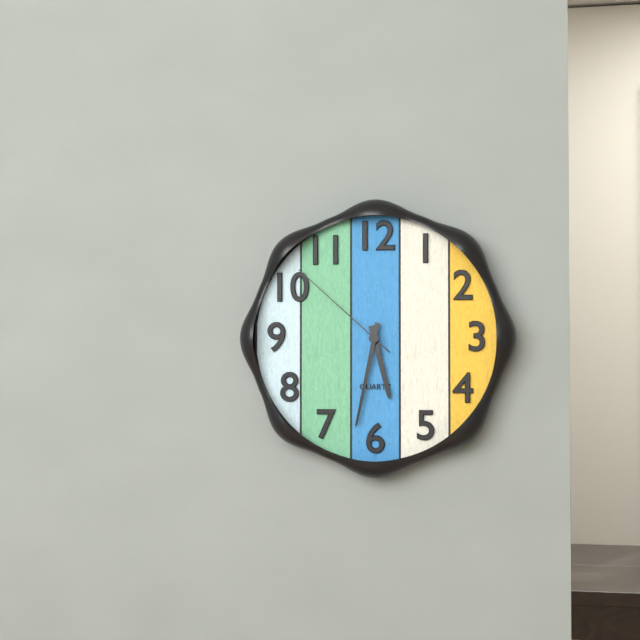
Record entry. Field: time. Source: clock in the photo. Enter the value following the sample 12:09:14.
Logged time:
5:32:52
